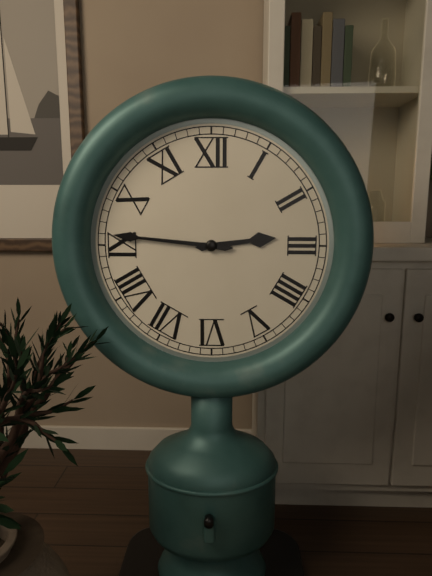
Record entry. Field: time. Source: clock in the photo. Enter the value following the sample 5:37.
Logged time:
2:46
